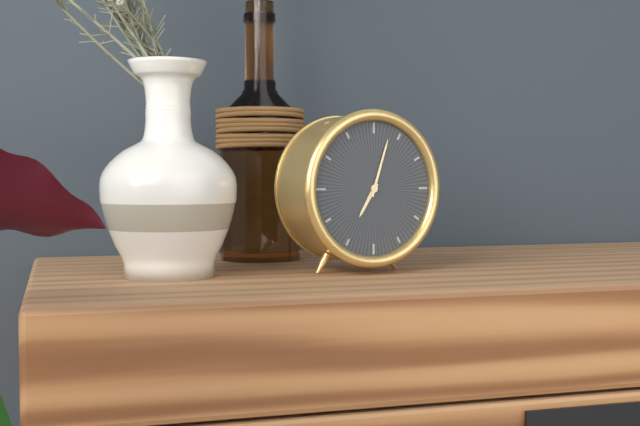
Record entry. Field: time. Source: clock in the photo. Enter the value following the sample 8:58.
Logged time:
7:03
